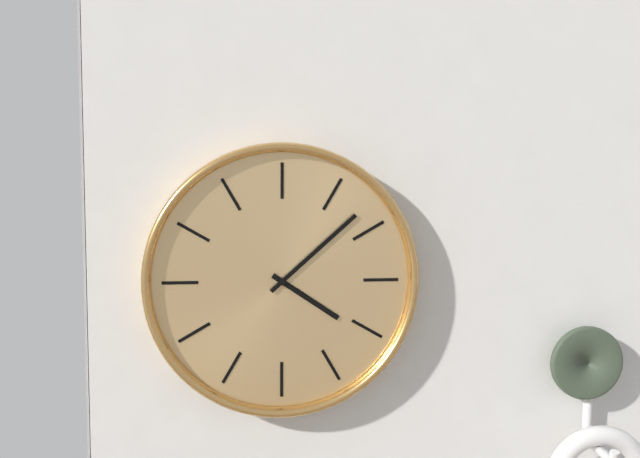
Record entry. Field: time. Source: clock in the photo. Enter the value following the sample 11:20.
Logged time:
4:08
